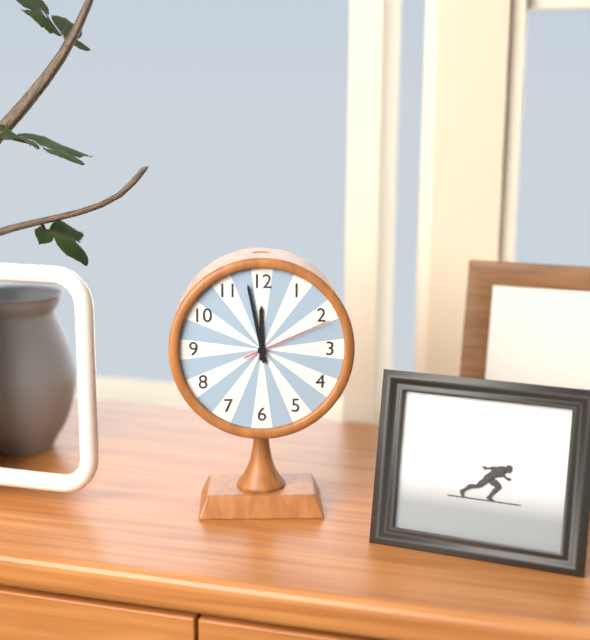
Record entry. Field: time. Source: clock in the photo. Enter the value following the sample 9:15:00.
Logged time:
11:58:11
